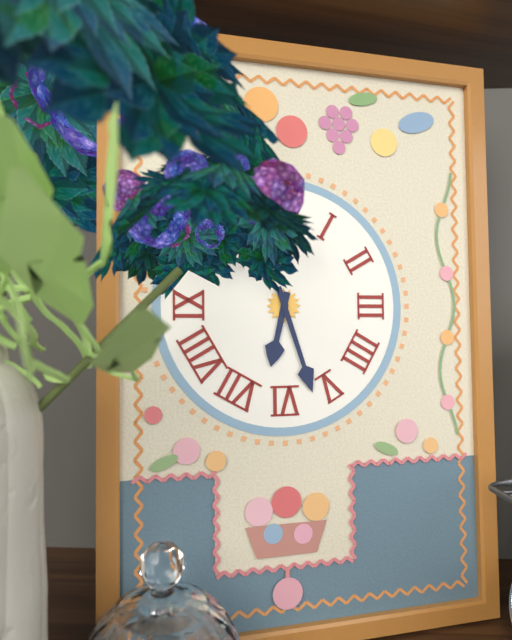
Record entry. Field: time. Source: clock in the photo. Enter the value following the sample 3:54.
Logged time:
6:27
